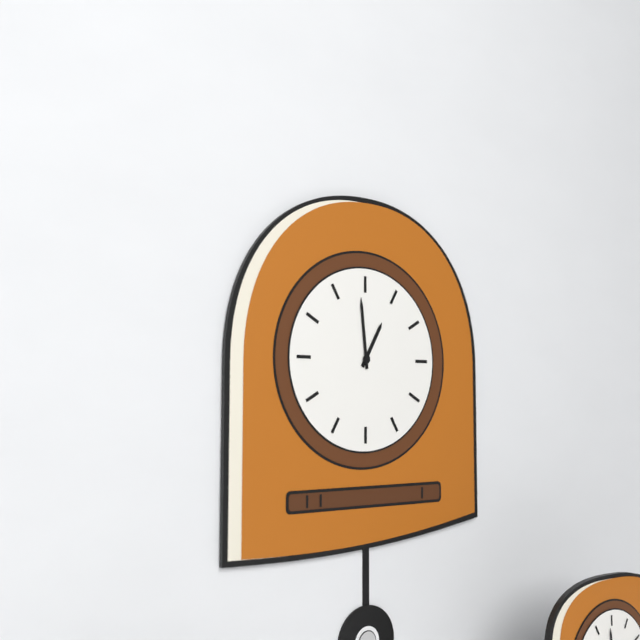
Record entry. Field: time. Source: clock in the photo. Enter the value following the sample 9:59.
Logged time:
12:59
